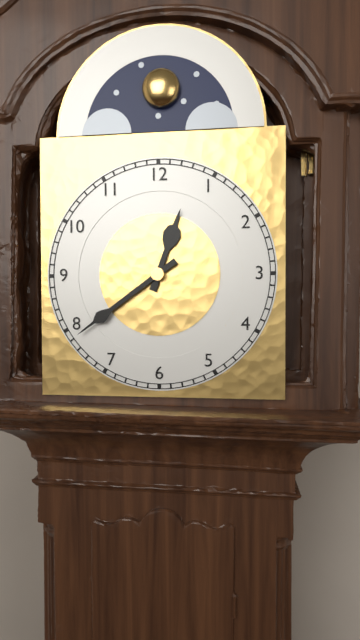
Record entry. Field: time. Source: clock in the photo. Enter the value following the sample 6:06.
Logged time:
12:39
